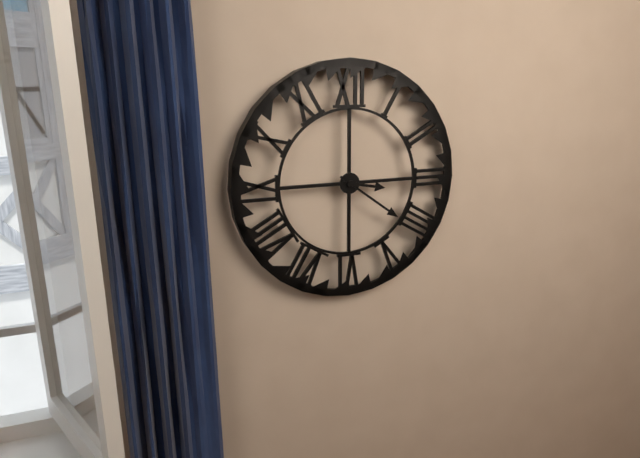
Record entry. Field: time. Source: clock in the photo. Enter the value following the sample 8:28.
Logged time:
3:21
